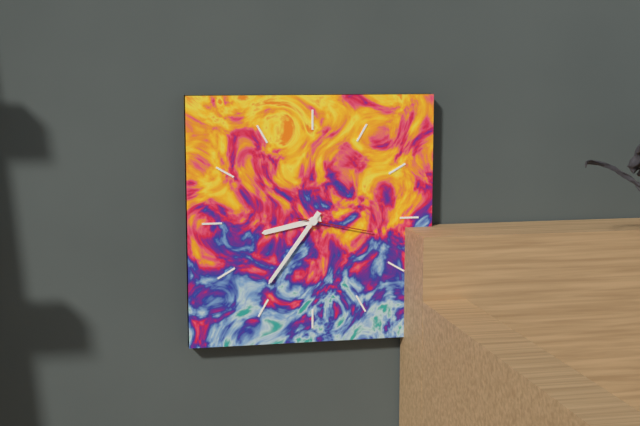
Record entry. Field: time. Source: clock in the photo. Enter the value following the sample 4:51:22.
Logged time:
8:36:17
